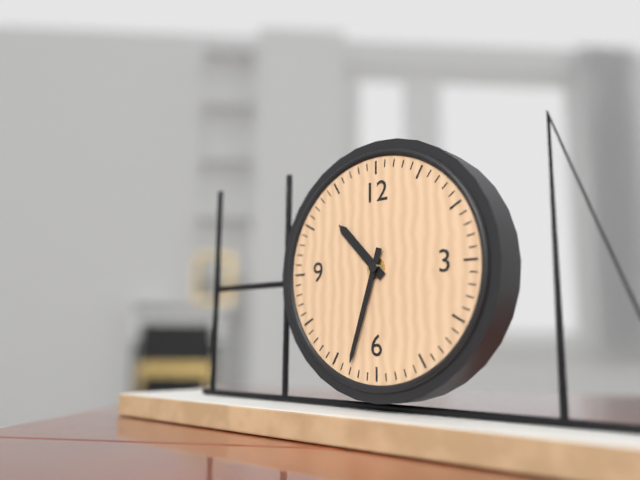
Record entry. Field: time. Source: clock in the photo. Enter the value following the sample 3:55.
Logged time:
10:33
